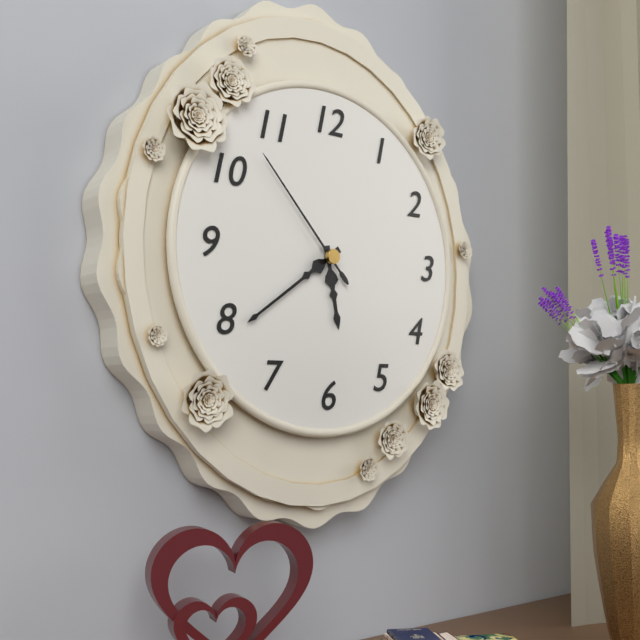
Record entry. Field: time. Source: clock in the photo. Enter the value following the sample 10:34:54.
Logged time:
5:39:53
